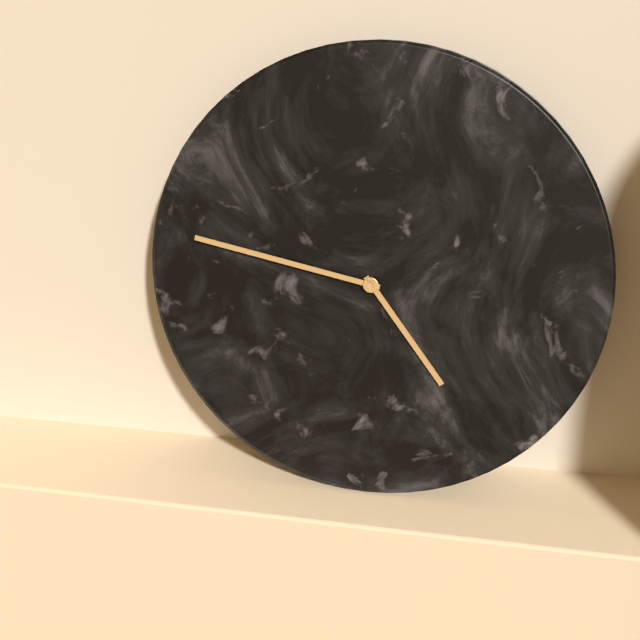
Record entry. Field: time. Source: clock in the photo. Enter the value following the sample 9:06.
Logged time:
4:47
